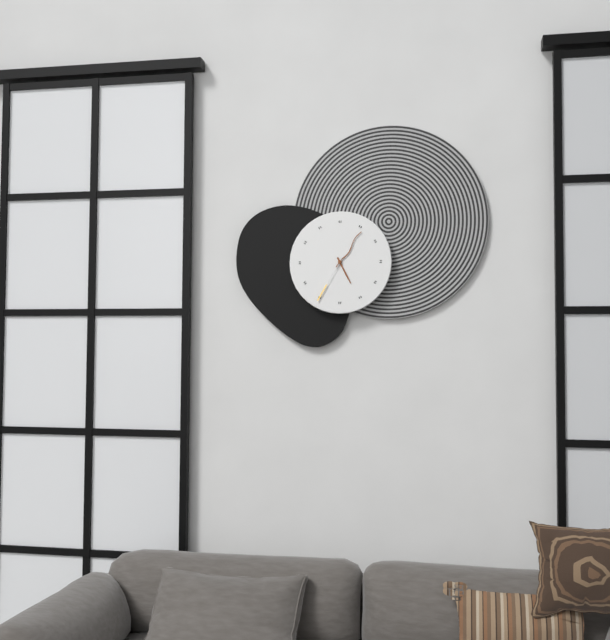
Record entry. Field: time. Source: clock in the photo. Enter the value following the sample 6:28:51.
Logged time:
5:06:35
